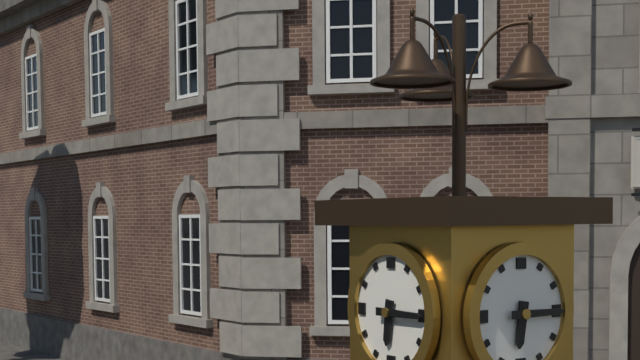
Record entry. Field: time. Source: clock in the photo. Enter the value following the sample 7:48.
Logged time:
6:15
